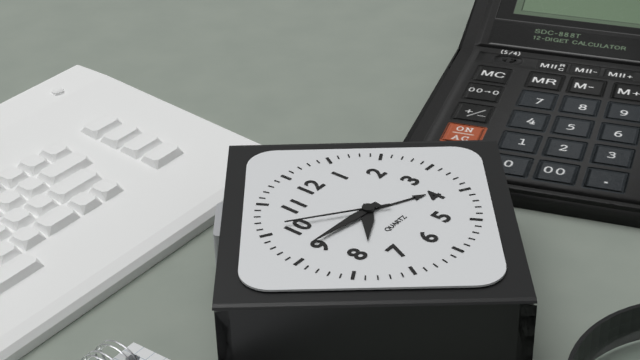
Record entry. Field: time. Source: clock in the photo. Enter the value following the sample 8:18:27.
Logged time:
7:46:51
